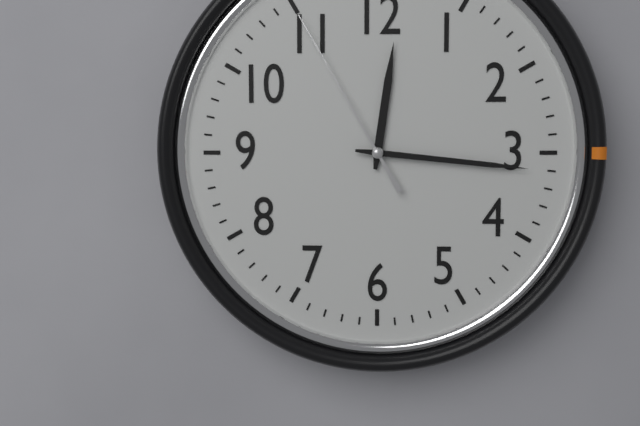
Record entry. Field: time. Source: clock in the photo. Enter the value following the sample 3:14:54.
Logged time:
12:16:55
